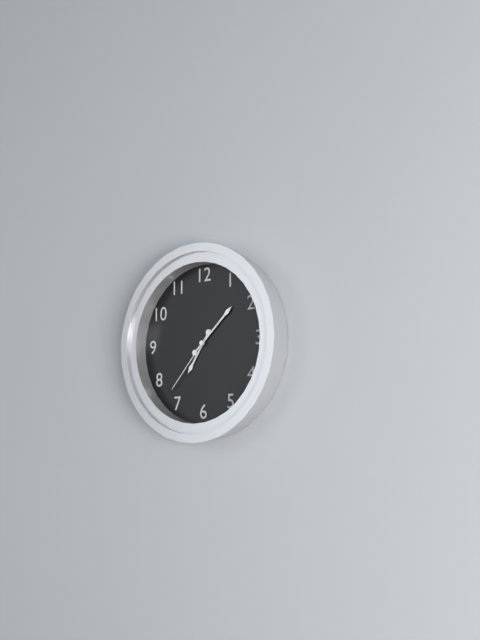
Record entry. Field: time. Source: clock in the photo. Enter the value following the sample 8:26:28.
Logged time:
7:08:37
